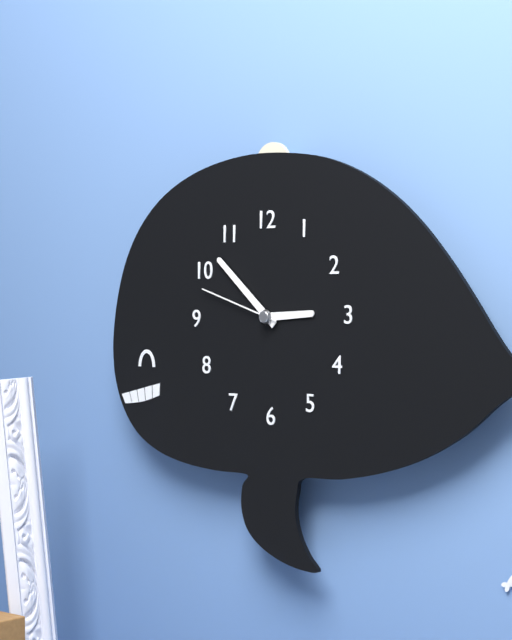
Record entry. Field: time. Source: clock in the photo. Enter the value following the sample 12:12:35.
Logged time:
2:52:48
